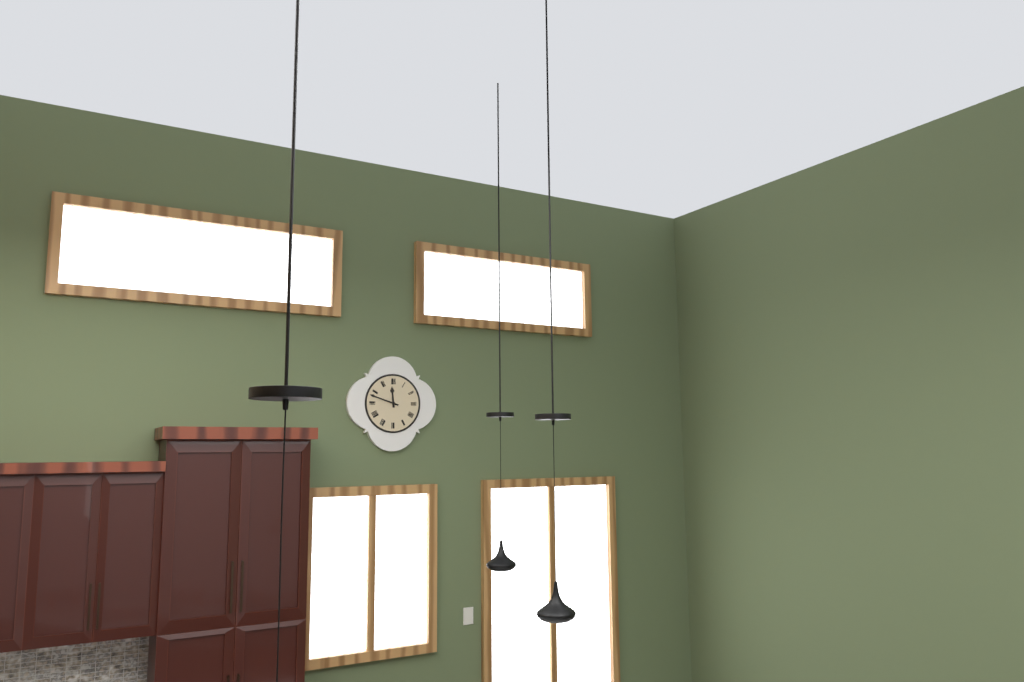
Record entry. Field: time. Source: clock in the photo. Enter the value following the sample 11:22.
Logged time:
11:48
